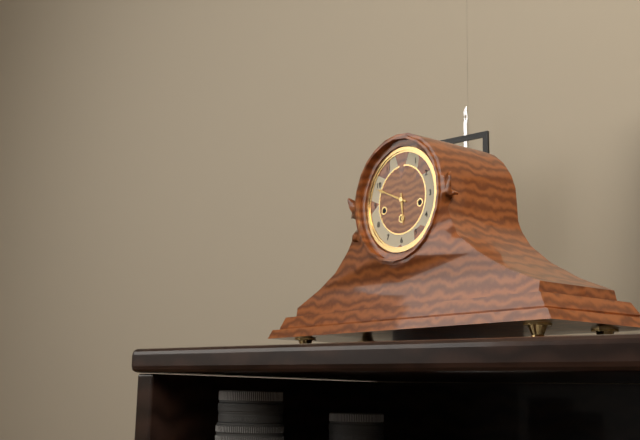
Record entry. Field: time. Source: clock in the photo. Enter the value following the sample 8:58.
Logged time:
5:49
